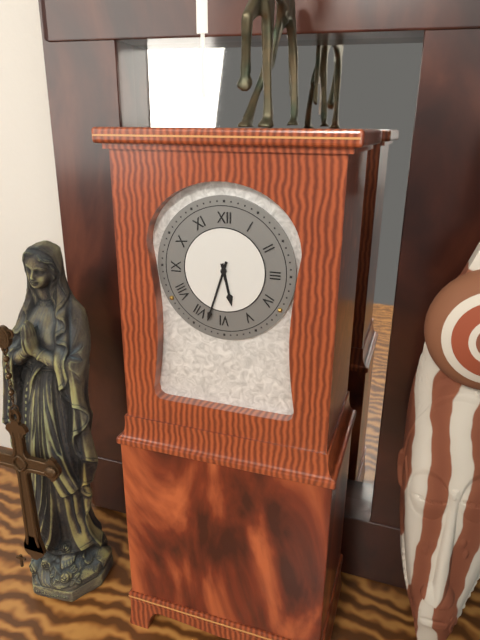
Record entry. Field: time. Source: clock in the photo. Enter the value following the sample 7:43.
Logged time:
5:33
